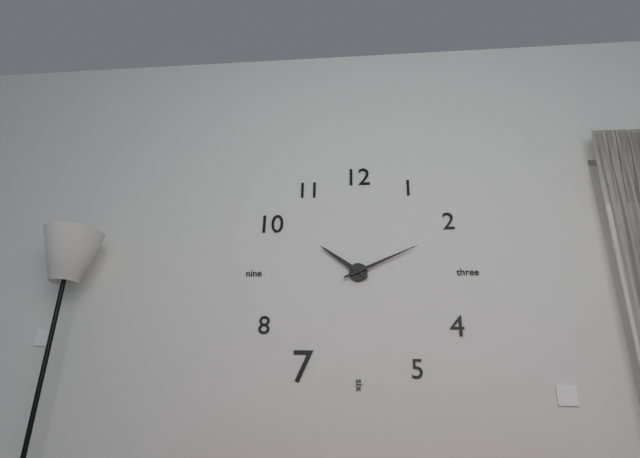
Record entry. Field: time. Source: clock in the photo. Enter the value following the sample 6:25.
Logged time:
10:11
